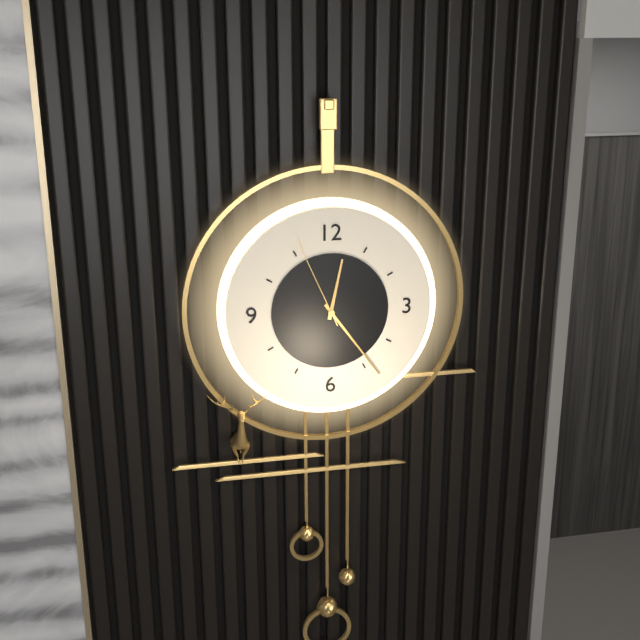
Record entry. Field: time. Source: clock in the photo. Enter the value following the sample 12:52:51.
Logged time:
12:24:56
